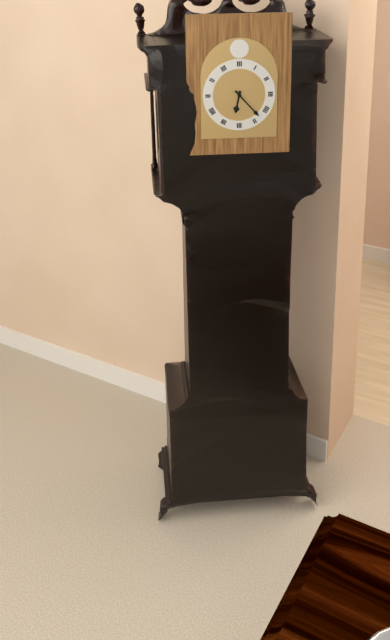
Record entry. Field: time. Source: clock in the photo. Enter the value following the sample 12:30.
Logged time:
6:23
